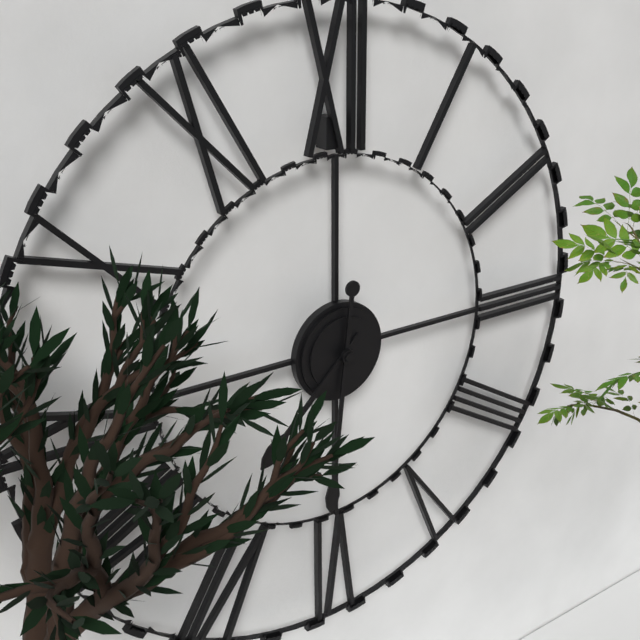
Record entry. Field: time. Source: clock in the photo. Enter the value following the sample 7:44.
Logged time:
7:31
